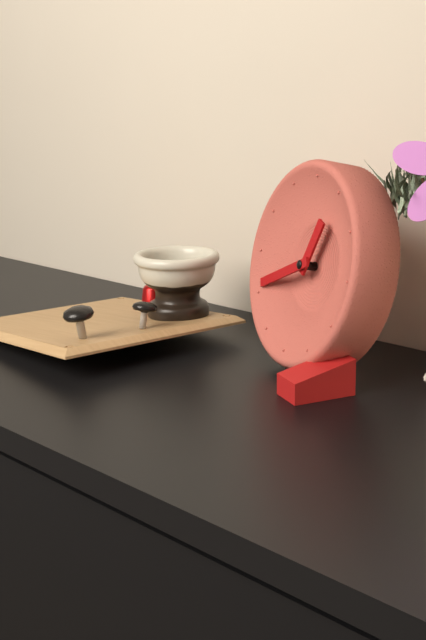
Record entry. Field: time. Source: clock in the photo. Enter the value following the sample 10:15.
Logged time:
12:41
